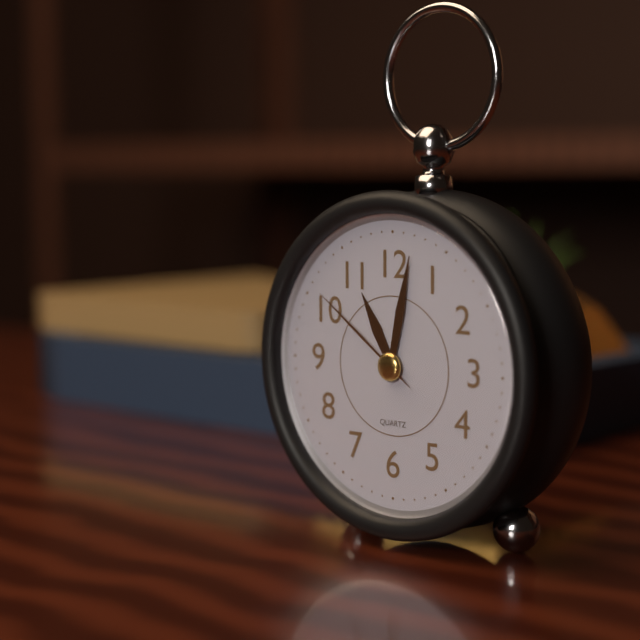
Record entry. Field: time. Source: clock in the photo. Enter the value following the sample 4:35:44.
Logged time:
11:02:51
